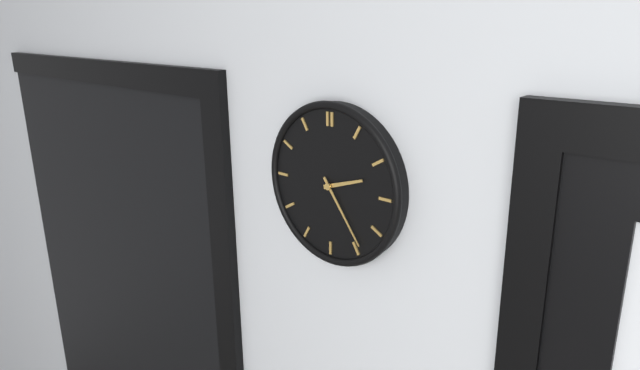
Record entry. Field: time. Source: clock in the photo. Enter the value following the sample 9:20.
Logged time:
2:24
